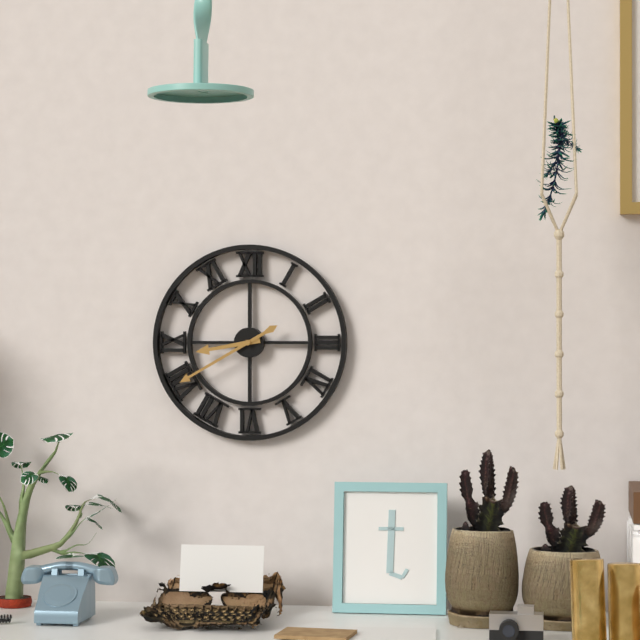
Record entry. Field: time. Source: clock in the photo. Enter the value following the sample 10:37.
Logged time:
8:40
